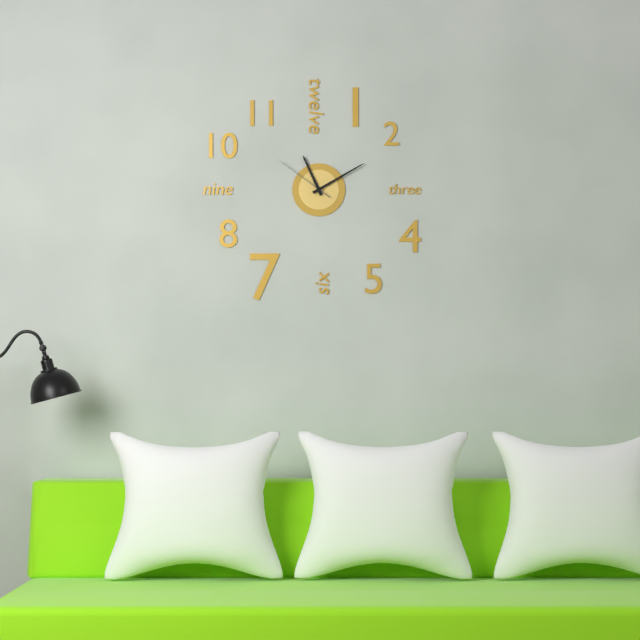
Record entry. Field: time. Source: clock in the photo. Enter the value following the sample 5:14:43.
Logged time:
11:10:51
